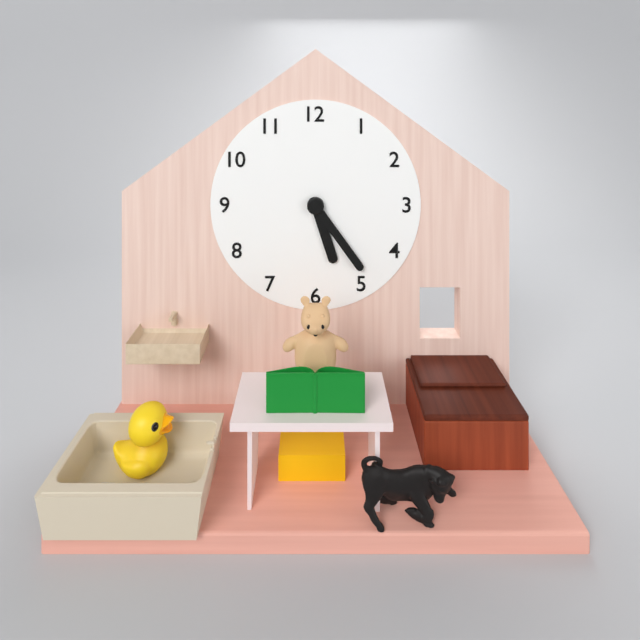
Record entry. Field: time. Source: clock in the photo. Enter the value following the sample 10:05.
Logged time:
5:24
